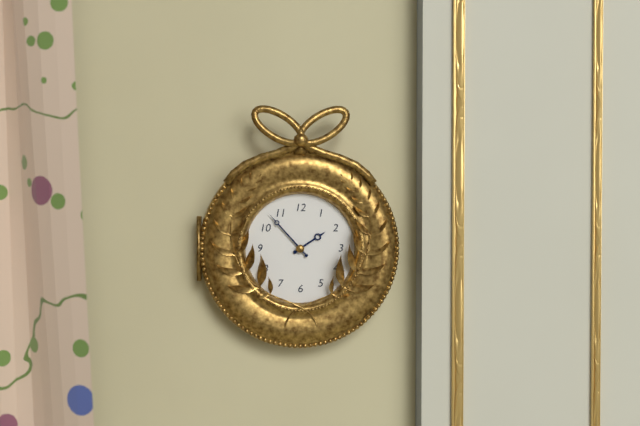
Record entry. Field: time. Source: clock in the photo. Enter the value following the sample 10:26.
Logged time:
1:53
